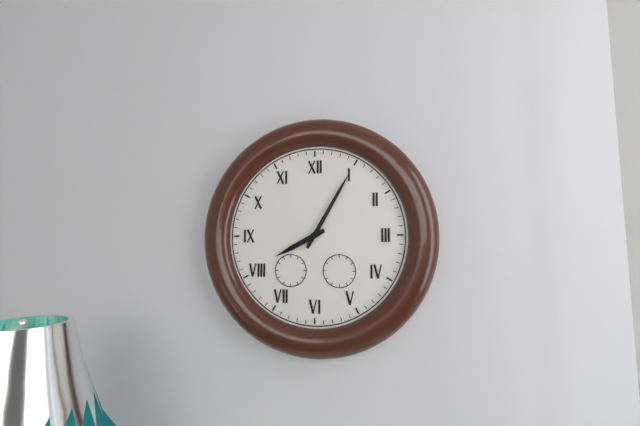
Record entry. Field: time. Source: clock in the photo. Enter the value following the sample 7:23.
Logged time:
8:05
